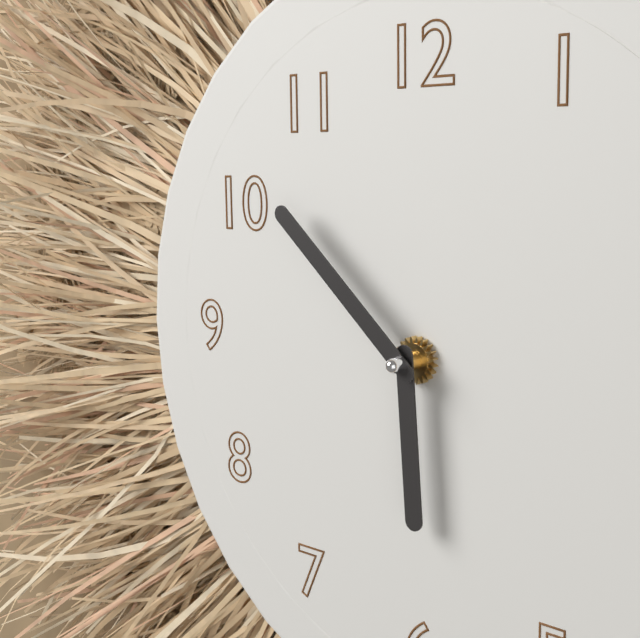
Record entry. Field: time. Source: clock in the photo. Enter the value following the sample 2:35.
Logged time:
5:52
